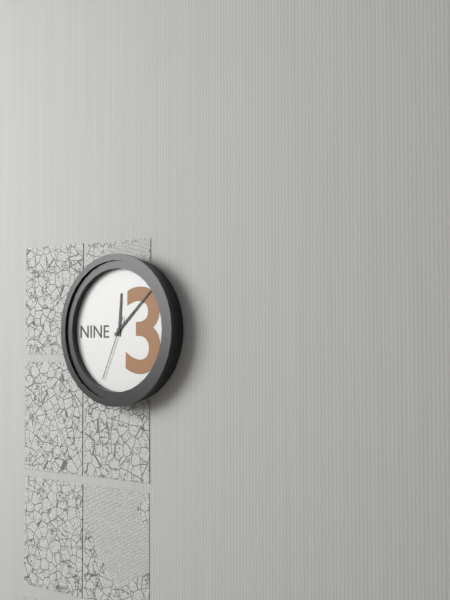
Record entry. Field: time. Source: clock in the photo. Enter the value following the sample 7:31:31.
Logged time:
12:08:34
